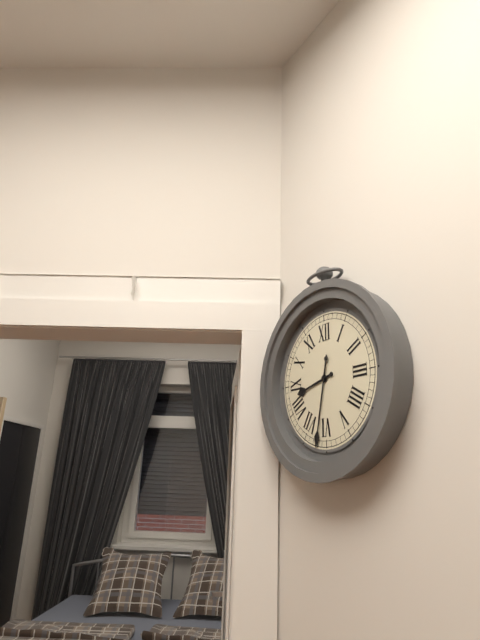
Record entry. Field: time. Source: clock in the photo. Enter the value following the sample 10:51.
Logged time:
8:32
